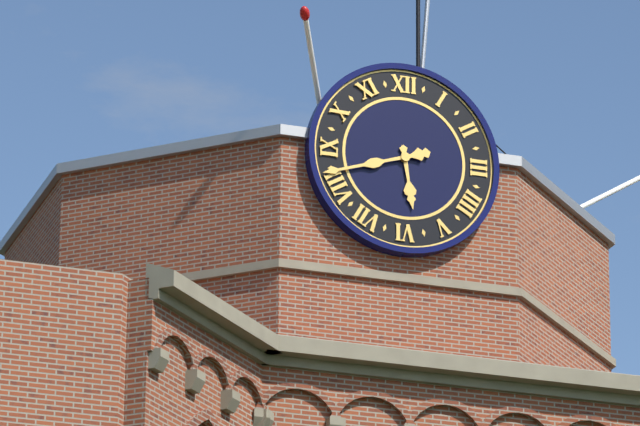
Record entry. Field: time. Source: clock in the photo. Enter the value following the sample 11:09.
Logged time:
5:42
